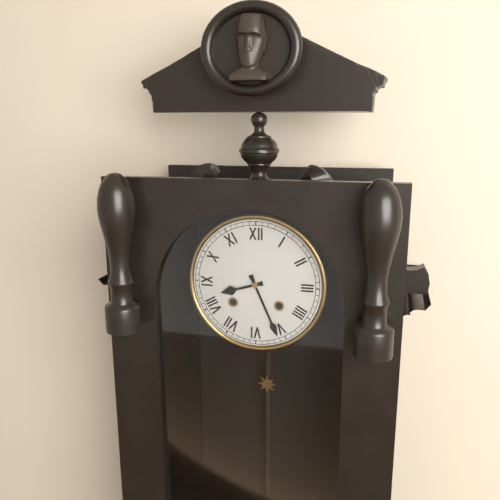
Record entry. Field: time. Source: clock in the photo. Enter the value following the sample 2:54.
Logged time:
8:26
